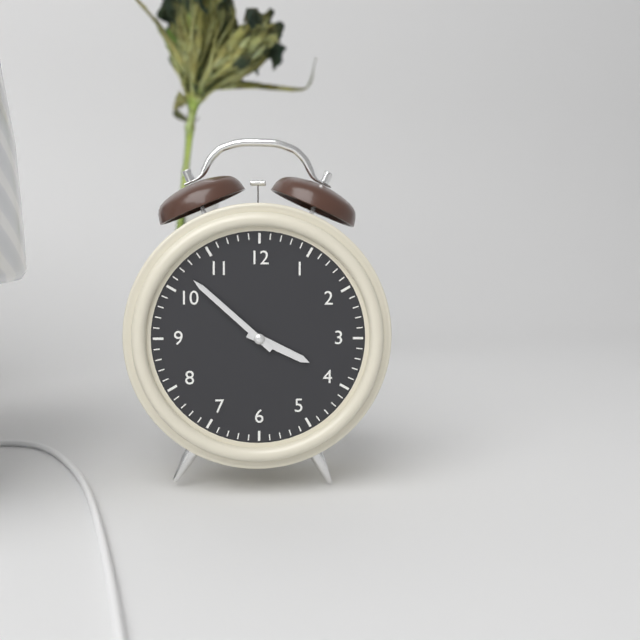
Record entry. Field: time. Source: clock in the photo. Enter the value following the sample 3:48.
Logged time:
3:52
